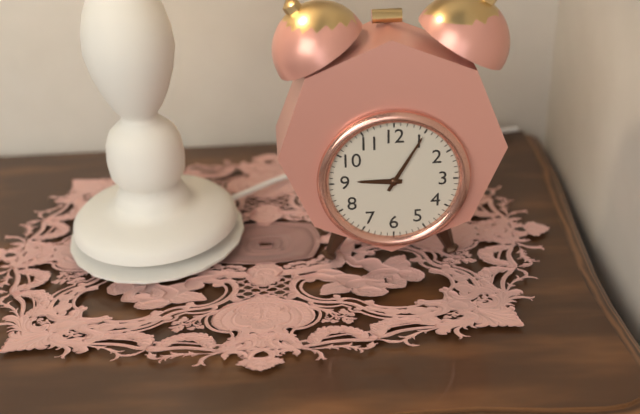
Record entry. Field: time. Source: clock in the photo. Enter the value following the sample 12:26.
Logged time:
9:05
